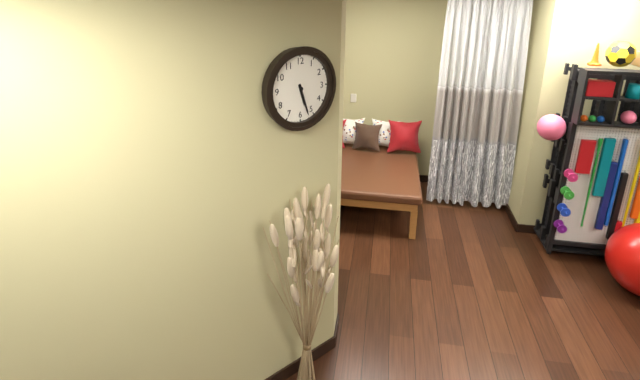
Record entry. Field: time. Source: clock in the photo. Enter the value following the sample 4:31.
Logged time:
5:27
